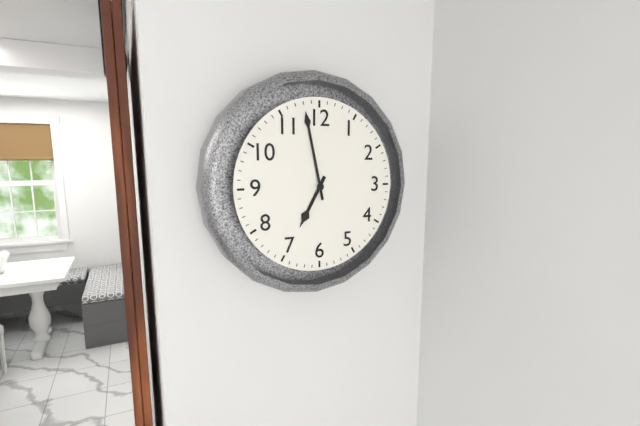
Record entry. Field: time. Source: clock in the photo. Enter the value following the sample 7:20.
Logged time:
6:58
